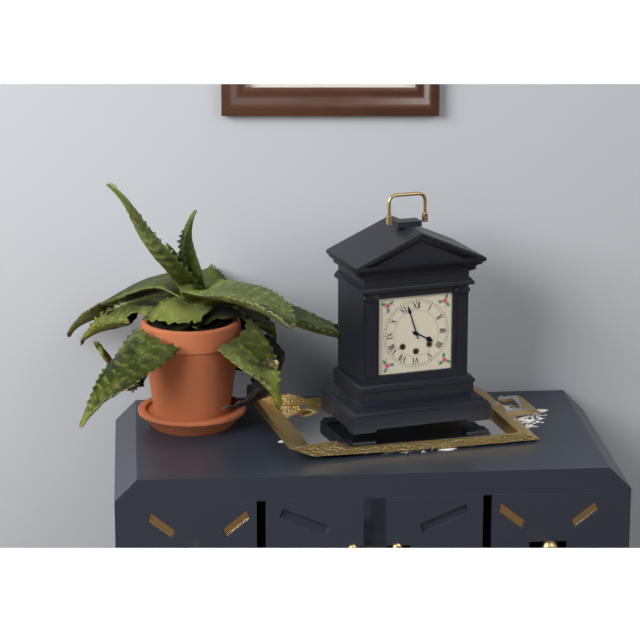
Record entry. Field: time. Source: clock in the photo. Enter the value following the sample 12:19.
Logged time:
3:57
